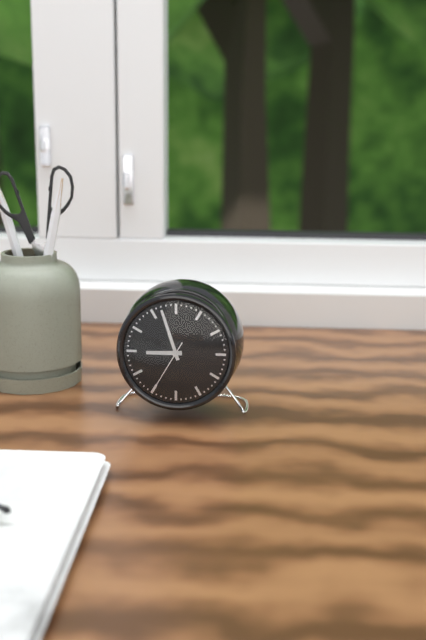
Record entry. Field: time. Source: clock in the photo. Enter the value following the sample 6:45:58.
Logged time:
8:57:35
